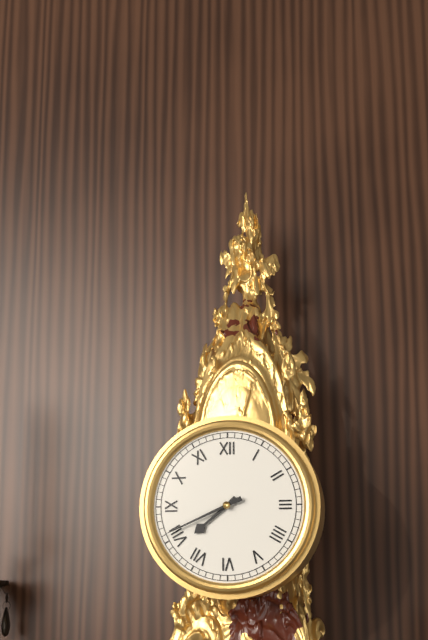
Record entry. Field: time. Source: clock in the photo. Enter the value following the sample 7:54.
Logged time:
7:41
